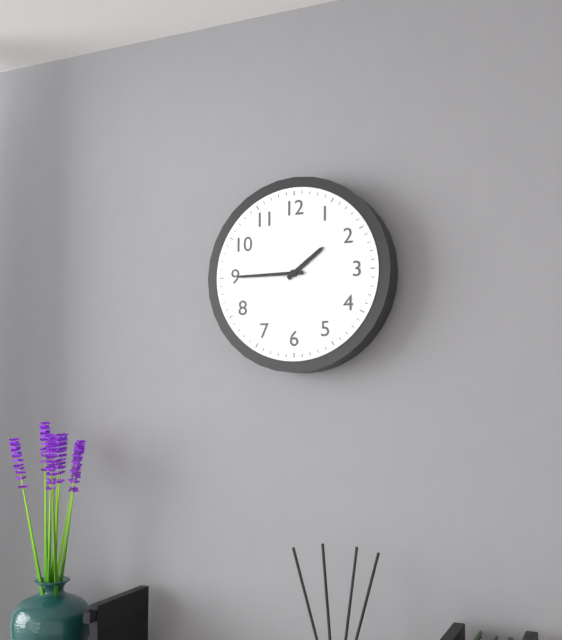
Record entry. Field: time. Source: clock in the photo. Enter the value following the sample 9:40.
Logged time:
1:45
